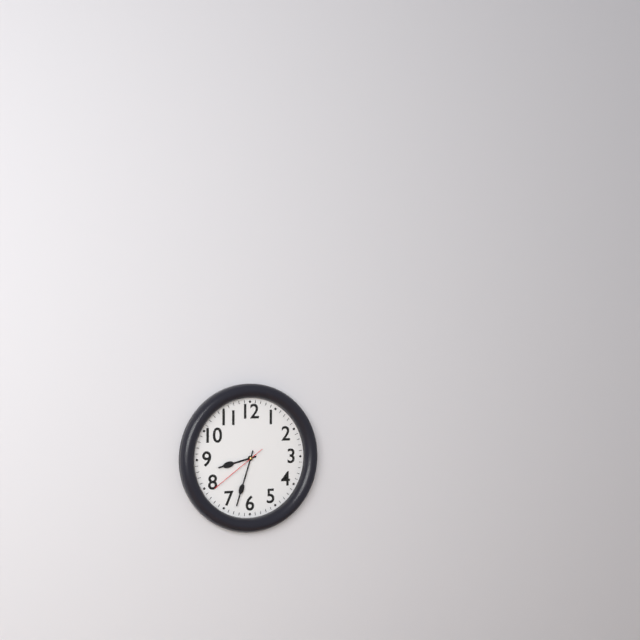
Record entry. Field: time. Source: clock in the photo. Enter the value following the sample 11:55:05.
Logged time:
8:33:39
